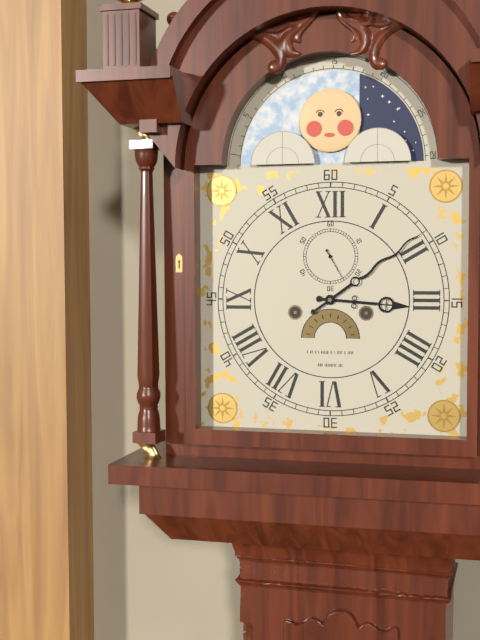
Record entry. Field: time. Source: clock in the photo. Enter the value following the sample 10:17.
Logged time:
3:09
